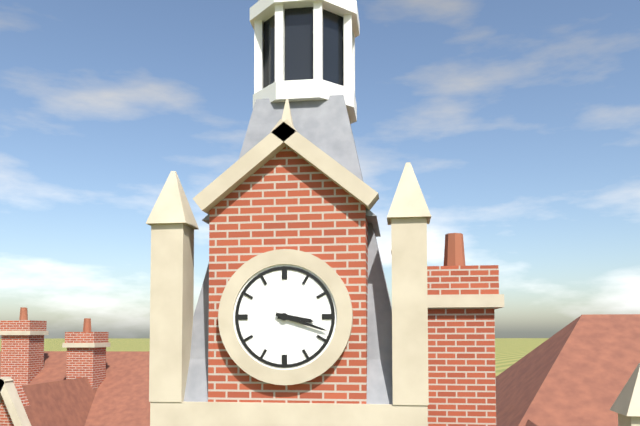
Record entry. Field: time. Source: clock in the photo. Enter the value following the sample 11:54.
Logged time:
3:18
